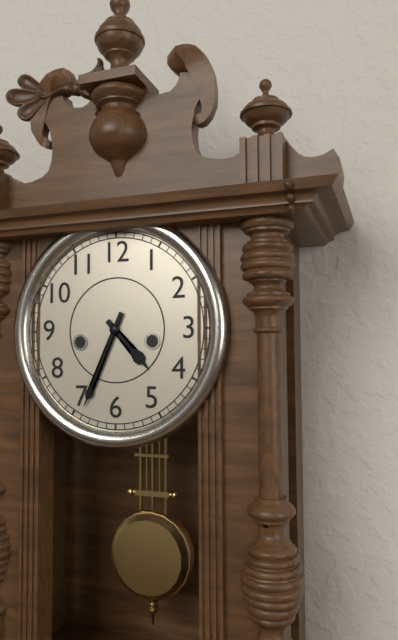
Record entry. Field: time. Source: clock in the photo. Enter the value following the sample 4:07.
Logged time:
4:34
